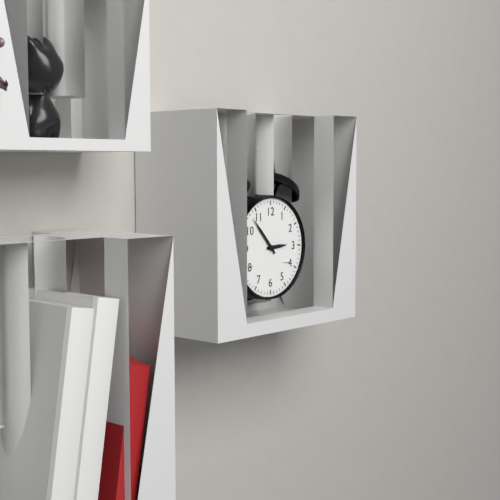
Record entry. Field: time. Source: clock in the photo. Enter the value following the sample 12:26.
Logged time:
2:53
